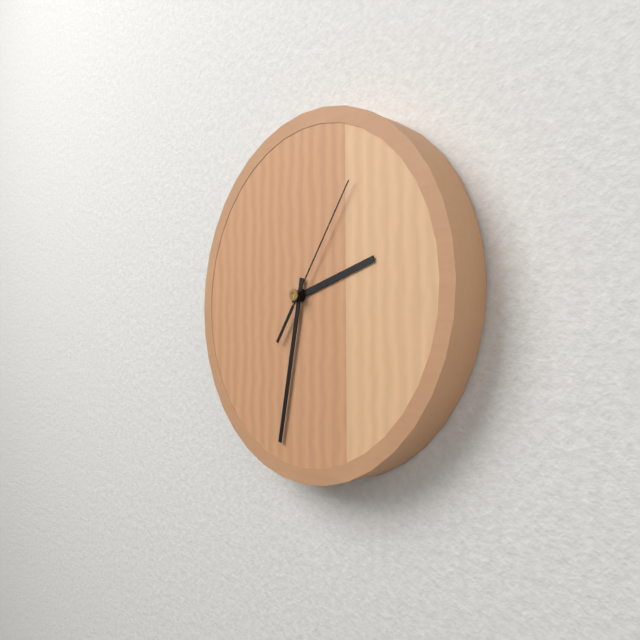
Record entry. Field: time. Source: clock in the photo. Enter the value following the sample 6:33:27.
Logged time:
2:32:06
